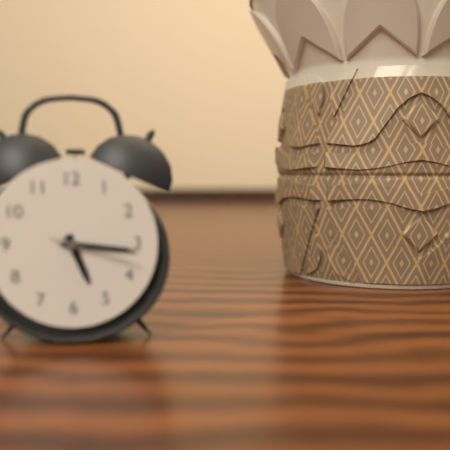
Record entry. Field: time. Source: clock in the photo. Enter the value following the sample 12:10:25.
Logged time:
5:16:18
